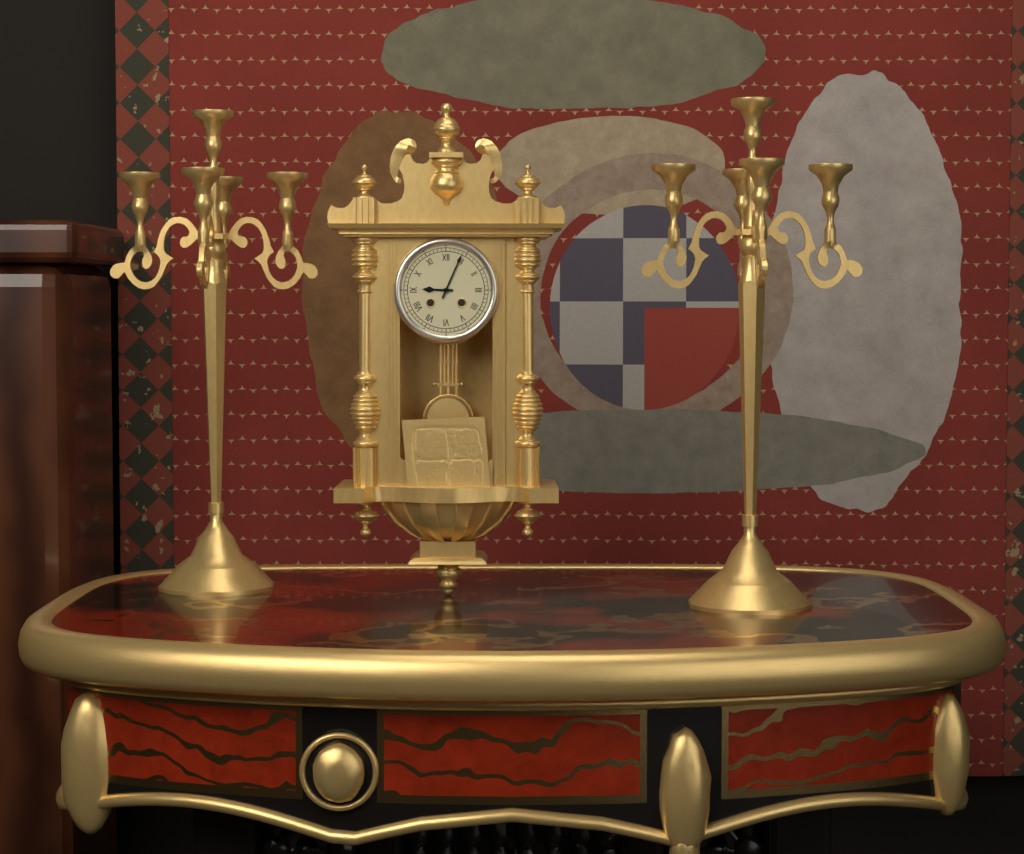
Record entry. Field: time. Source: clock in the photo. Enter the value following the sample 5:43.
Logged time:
9:04
